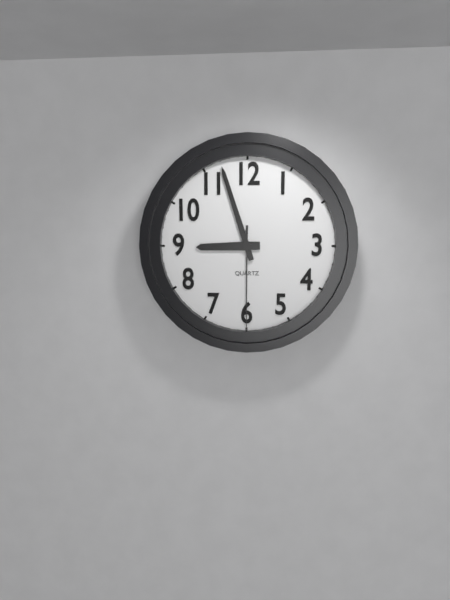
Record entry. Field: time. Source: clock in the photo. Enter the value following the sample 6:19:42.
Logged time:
8:57:30
